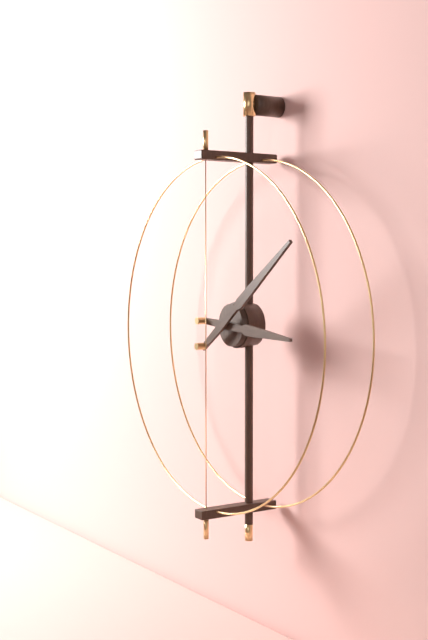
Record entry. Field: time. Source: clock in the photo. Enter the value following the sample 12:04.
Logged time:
3:09
